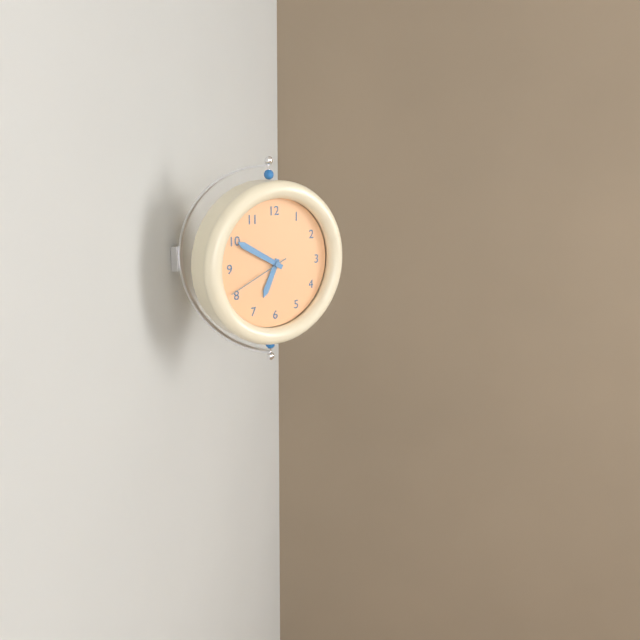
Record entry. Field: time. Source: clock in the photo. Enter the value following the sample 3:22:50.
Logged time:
6:50:41
